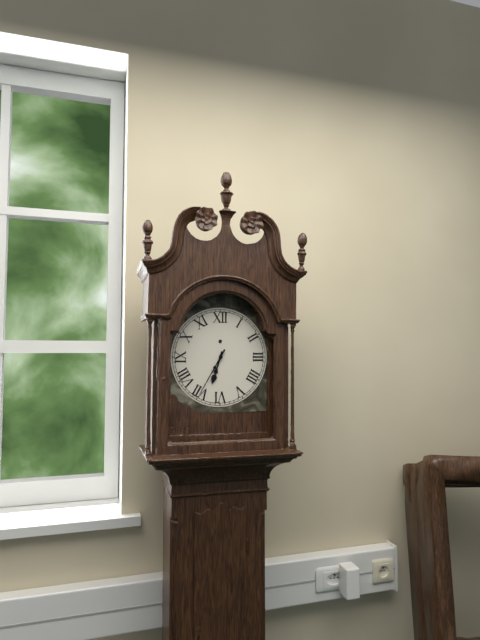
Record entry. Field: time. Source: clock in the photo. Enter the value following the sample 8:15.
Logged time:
6:35
